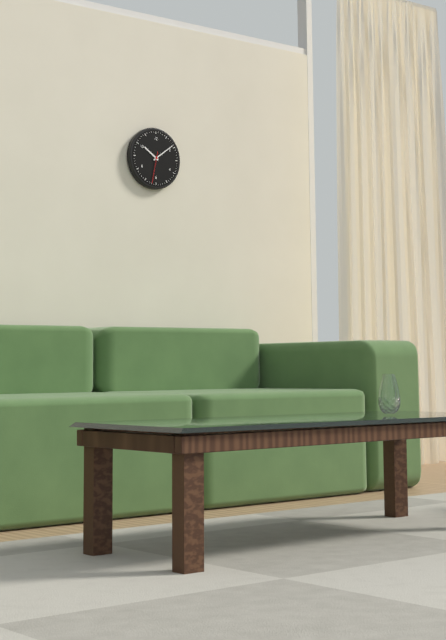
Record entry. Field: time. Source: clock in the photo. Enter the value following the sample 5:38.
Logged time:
10:09
